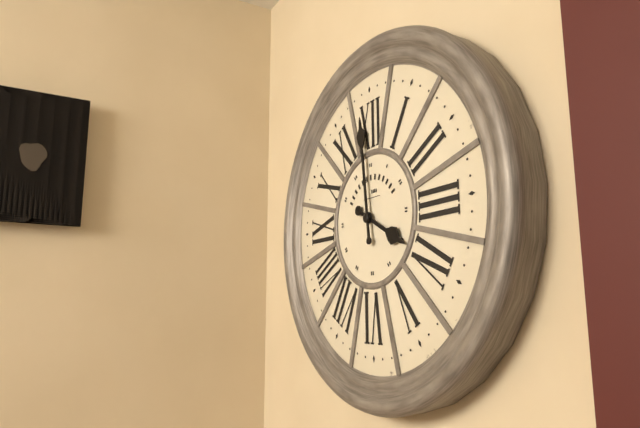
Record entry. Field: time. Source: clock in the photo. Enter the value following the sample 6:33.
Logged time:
3:59
